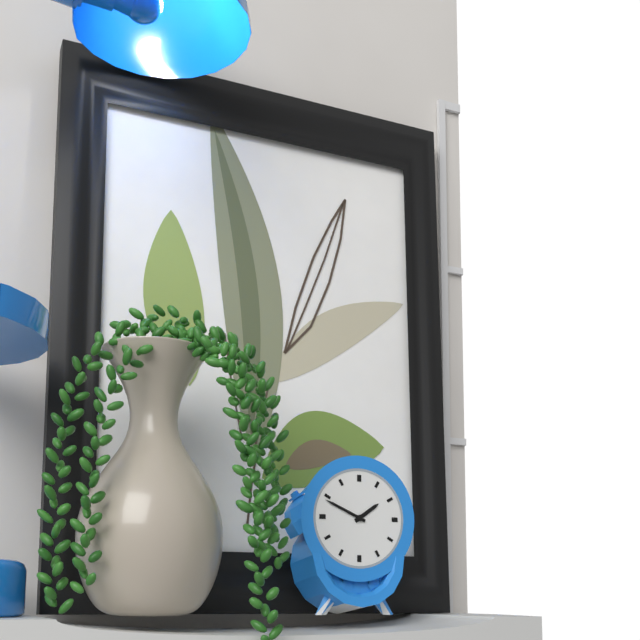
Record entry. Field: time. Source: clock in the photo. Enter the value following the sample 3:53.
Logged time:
1:49
